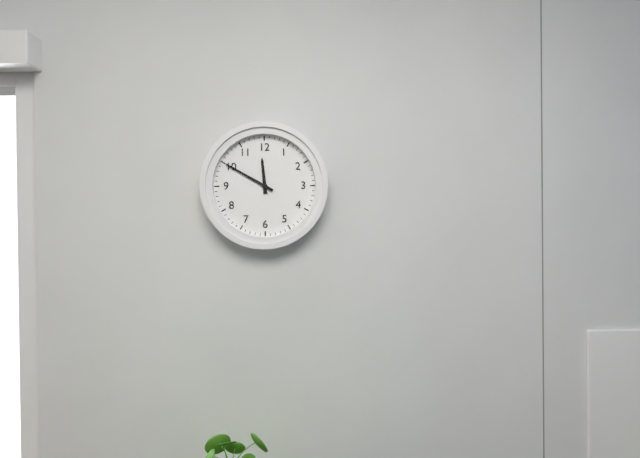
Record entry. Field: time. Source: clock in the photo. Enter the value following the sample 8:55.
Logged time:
11:50
